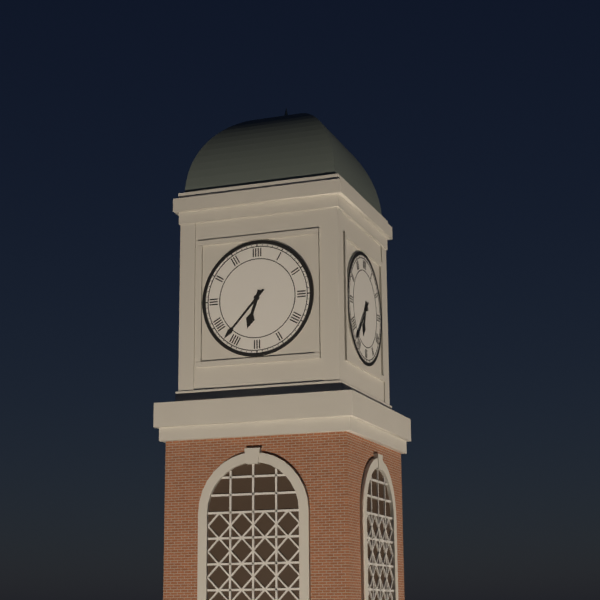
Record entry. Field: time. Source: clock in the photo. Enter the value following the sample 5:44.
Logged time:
6:37
